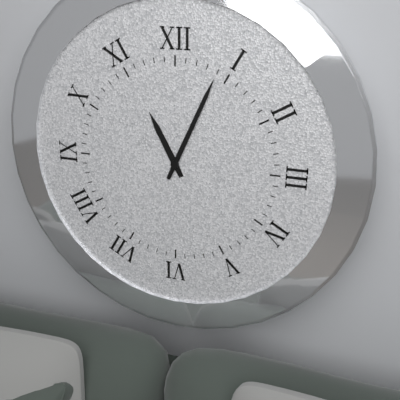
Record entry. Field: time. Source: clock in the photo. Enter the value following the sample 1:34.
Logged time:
11:04
